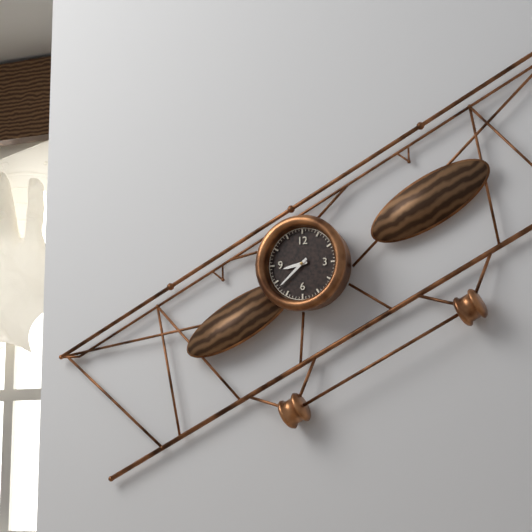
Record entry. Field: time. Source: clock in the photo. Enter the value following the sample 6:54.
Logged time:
8:38
